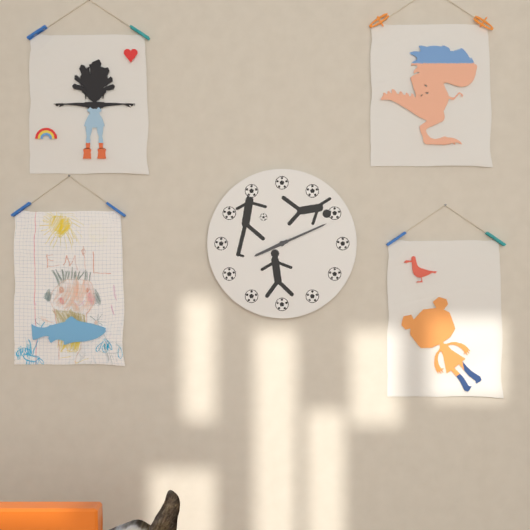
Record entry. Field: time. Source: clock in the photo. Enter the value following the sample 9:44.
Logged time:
8:11
